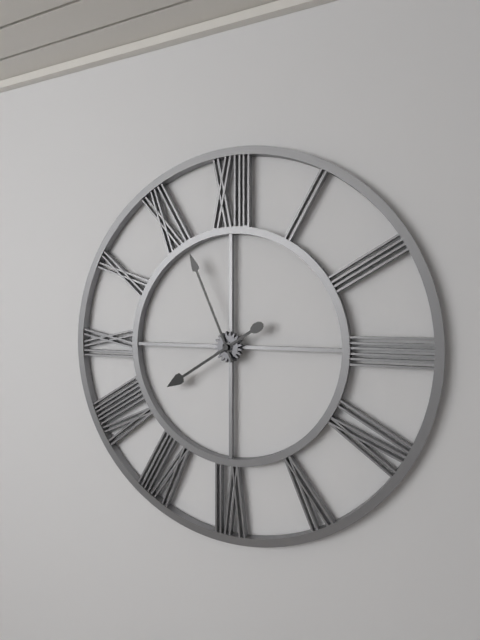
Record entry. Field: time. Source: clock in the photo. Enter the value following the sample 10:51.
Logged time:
7:56
